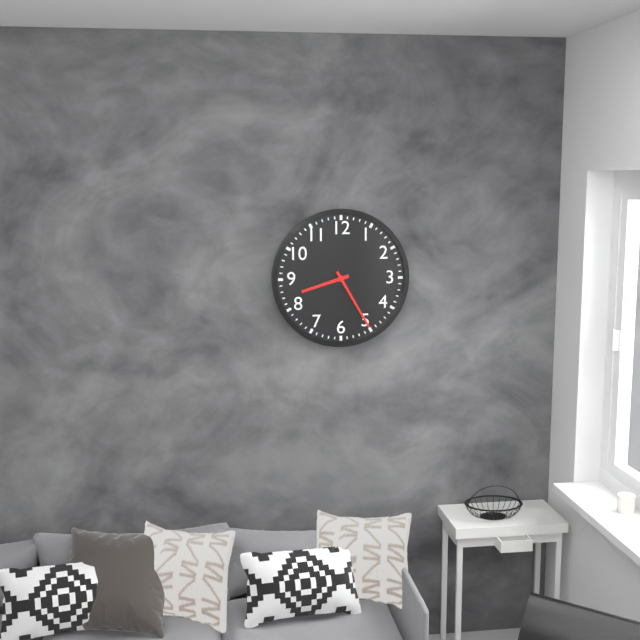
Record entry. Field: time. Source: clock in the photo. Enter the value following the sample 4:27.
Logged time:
8:25
